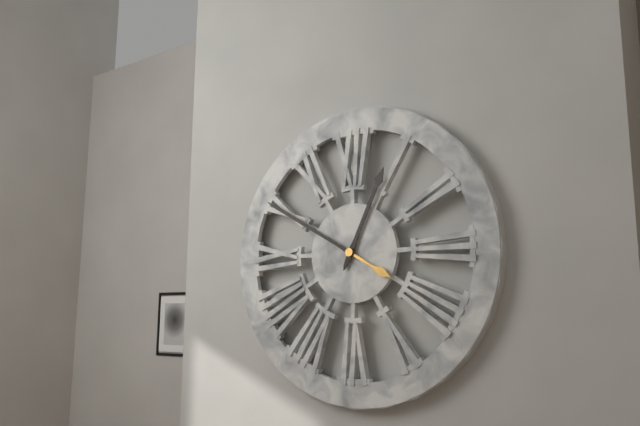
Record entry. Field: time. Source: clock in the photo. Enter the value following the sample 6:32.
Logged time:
12:50
